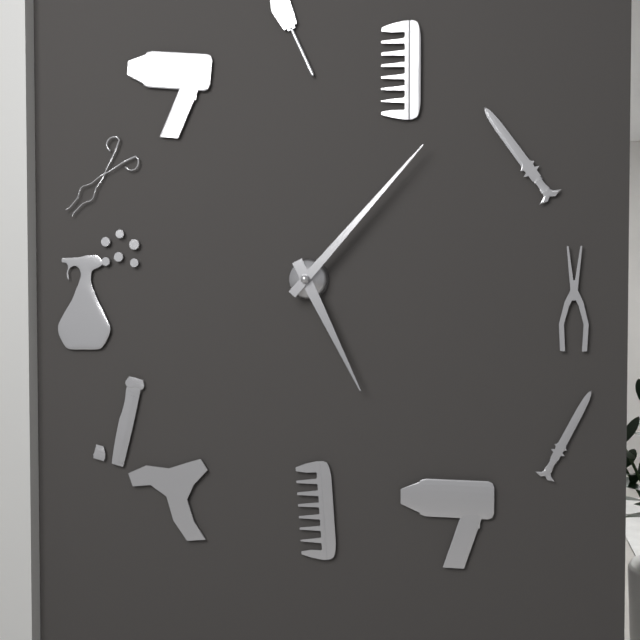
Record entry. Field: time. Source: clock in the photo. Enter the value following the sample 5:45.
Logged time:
5:07
